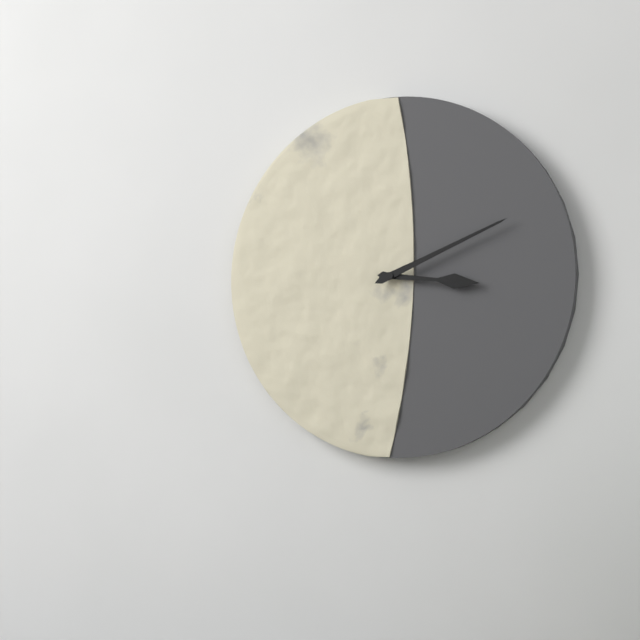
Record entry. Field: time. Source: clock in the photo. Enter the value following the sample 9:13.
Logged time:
3:11
